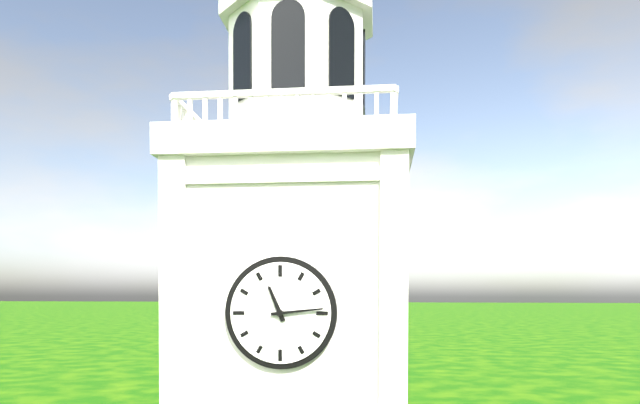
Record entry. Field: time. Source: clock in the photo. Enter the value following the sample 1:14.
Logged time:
11:14
